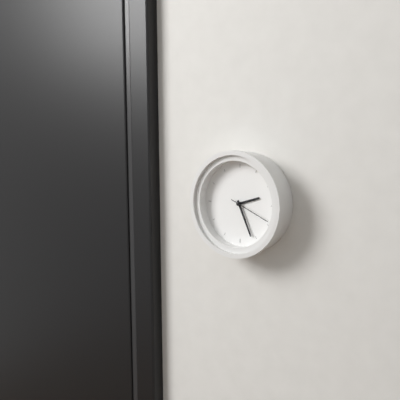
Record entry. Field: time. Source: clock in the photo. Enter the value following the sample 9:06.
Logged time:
2:26
